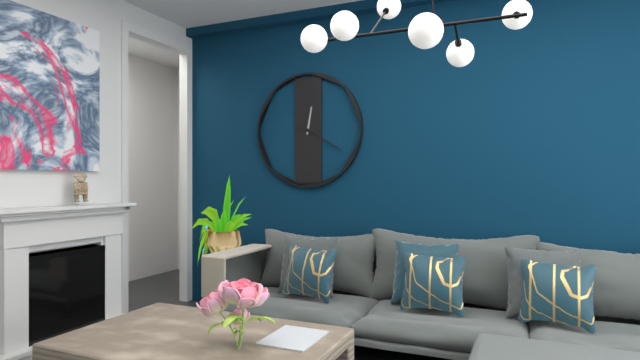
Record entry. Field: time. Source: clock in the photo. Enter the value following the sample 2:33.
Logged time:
12:20
